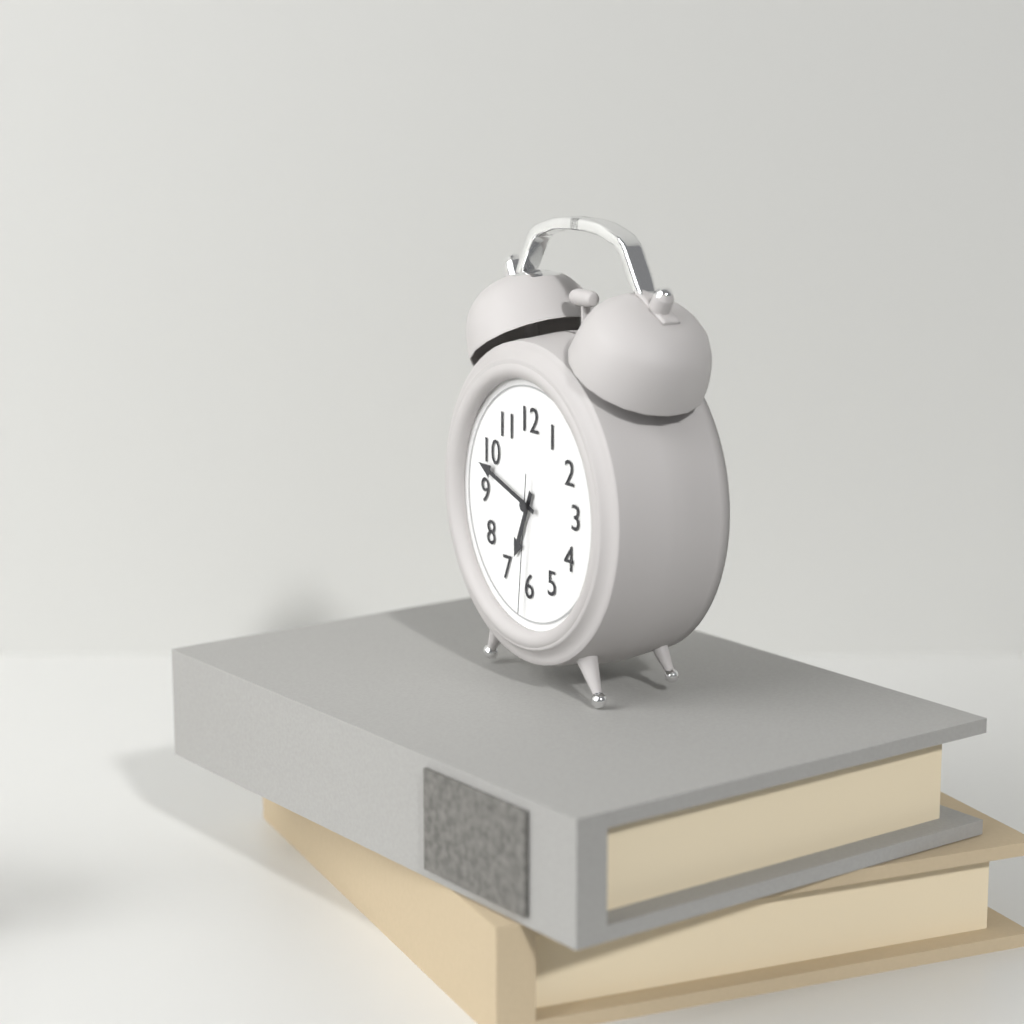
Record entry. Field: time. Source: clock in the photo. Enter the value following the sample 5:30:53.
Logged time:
6:48:31
